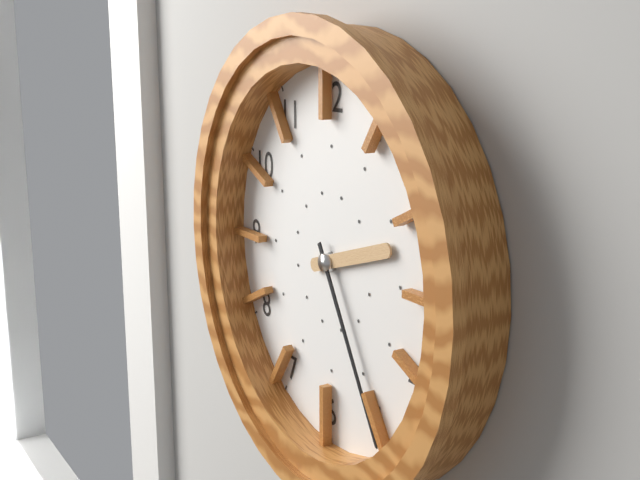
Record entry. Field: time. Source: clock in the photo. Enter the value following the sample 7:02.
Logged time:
2:25
